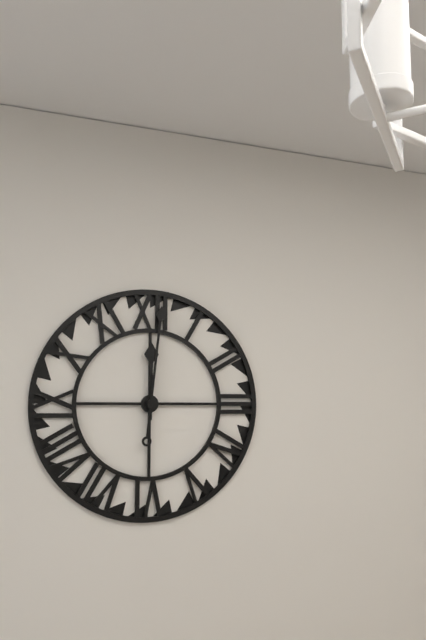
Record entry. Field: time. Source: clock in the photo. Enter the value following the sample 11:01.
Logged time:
12:01
